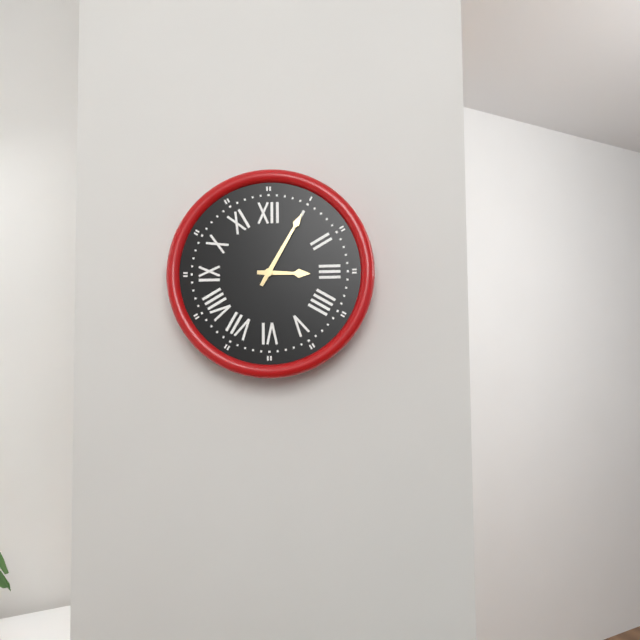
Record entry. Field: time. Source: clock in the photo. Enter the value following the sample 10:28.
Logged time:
3:05
